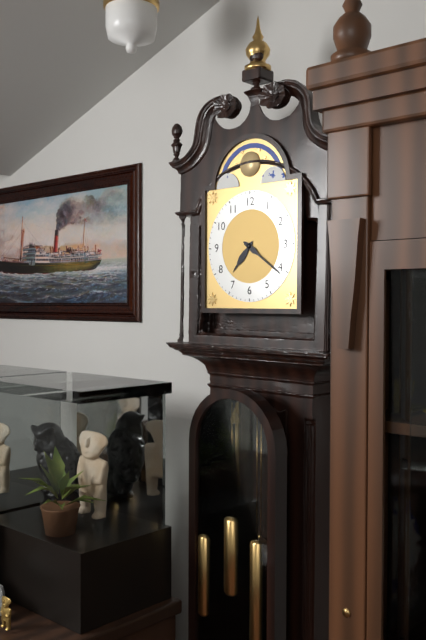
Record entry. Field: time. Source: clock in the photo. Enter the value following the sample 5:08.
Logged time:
7:21
